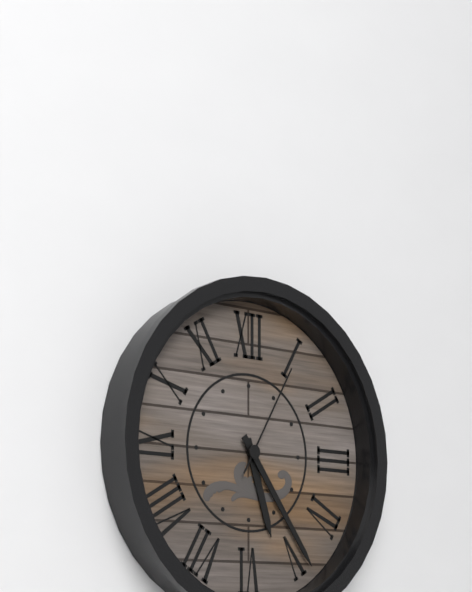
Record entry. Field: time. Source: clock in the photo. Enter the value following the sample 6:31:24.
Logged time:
5:24:05
